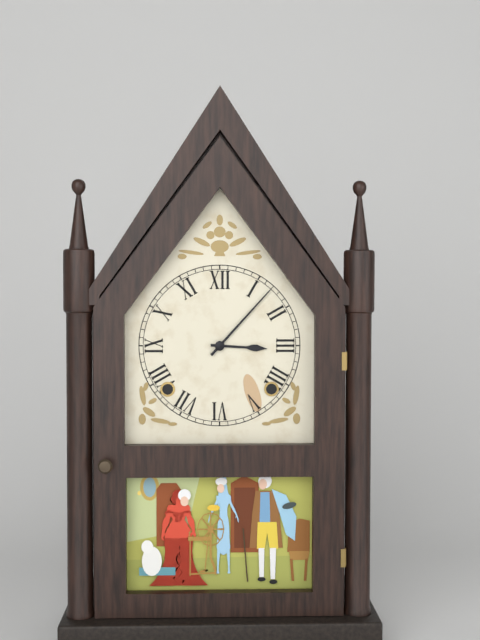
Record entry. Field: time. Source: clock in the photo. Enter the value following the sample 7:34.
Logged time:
3:07
